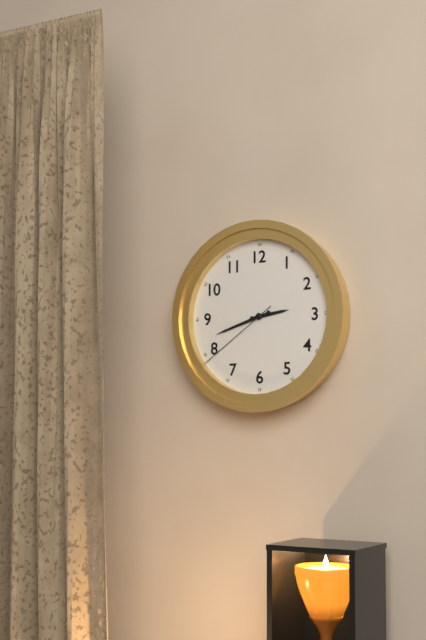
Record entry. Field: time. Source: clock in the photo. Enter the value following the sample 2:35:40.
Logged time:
2:42:39
